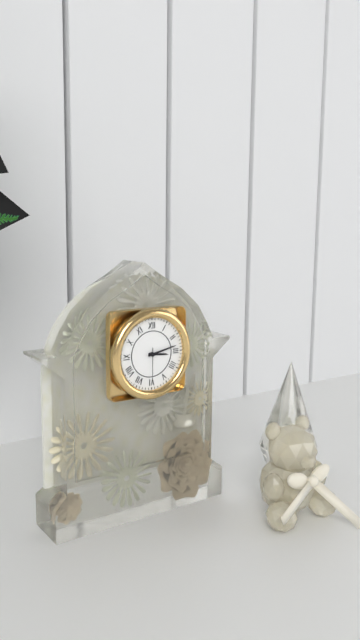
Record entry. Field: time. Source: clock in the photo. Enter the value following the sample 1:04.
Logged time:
3:13
